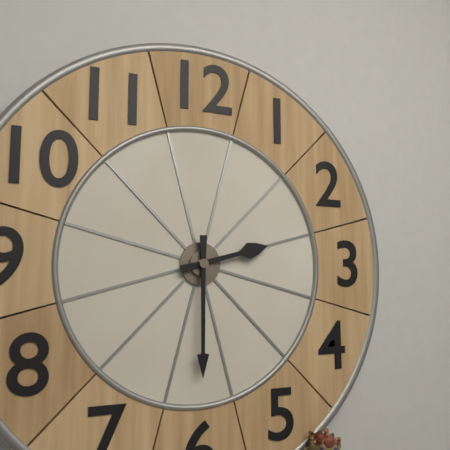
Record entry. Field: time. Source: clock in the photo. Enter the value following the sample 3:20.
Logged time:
2:30
